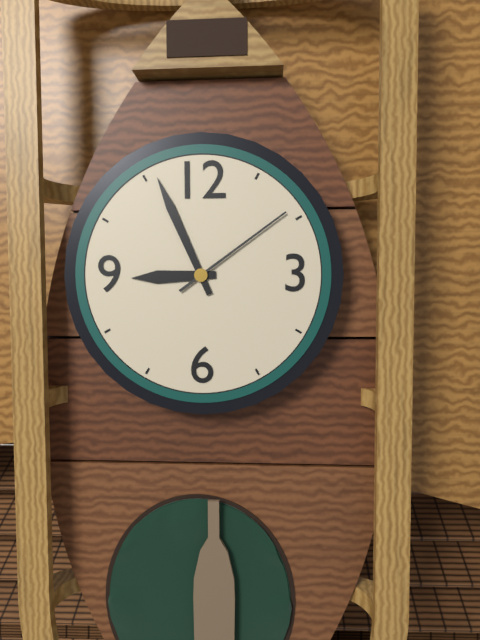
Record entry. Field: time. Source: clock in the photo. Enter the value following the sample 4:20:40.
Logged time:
8:56:09
